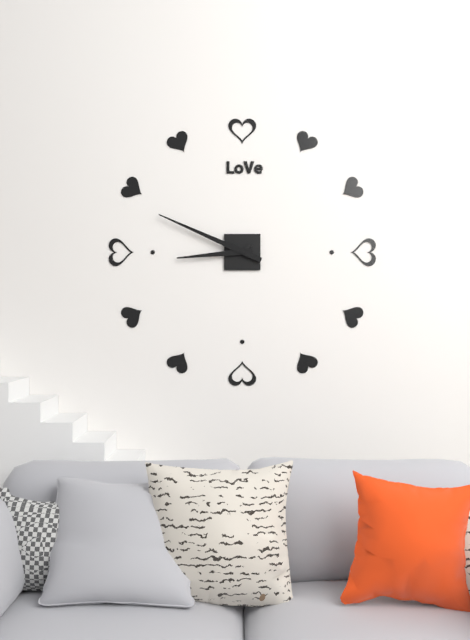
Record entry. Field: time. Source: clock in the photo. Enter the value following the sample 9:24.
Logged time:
8:49
